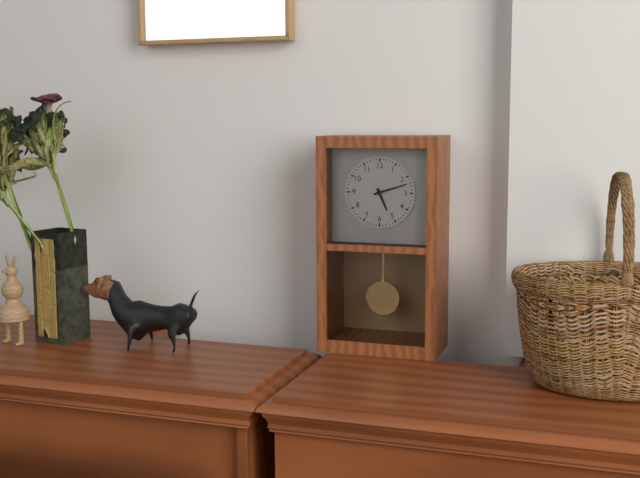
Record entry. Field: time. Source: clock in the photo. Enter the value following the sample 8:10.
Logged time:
5:12
